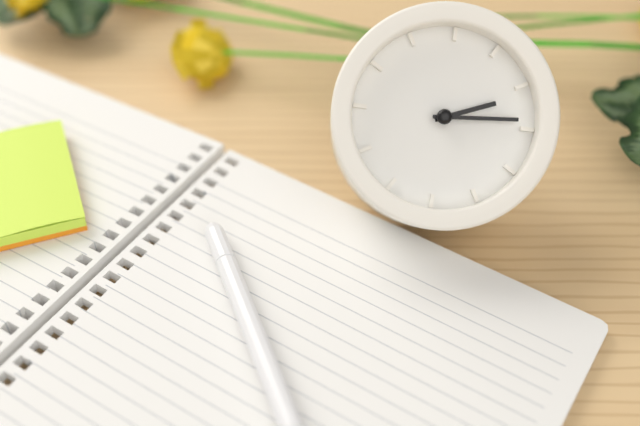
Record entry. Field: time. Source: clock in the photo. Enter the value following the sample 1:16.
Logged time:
2:14
